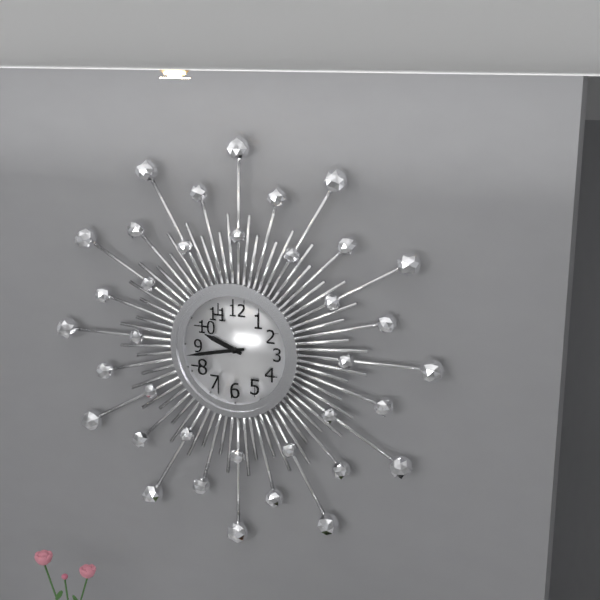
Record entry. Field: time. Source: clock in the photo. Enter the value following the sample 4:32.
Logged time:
9:43
